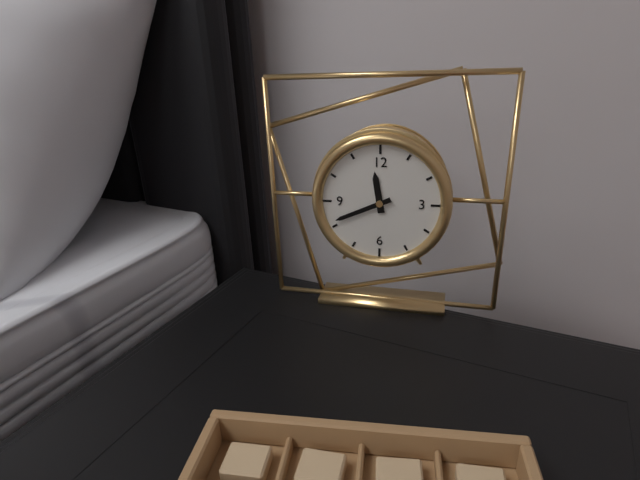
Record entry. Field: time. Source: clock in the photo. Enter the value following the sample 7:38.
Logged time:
11:41
